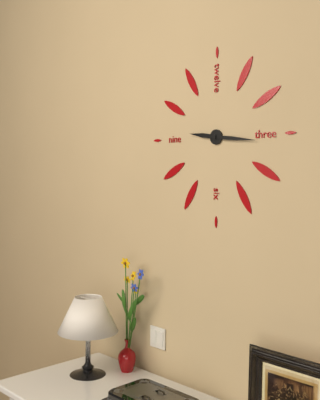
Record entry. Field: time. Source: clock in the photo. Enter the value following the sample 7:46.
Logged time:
9:16
